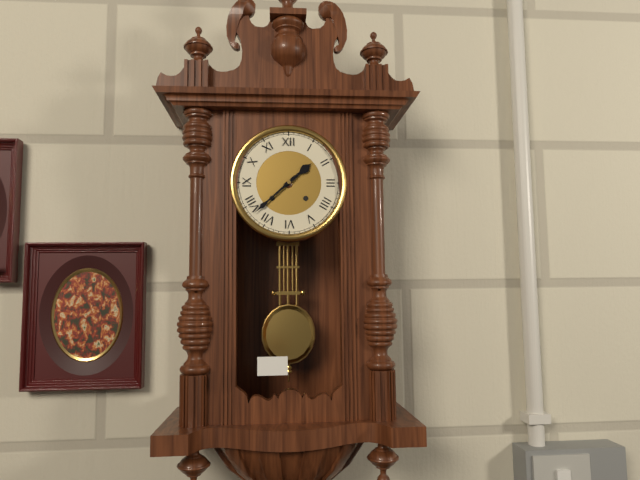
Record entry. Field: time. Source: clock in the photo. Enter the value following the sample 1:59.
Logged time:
1:38
